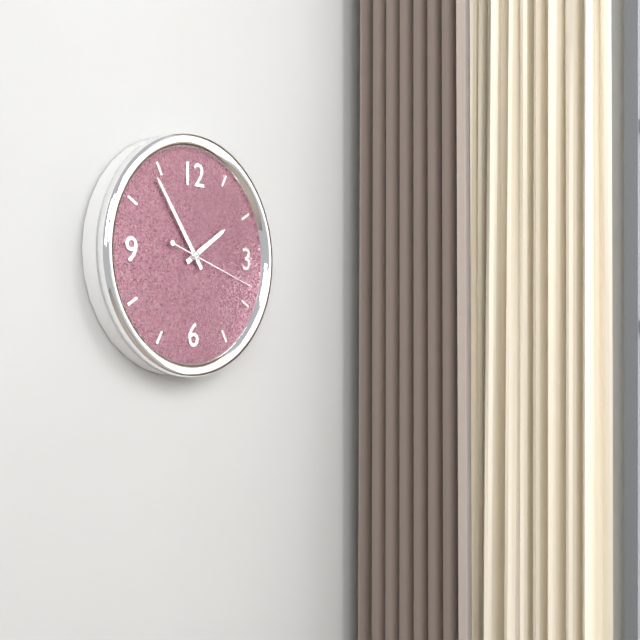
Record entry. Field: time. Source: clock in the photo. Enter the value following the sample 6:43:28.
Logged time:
1:54:18
